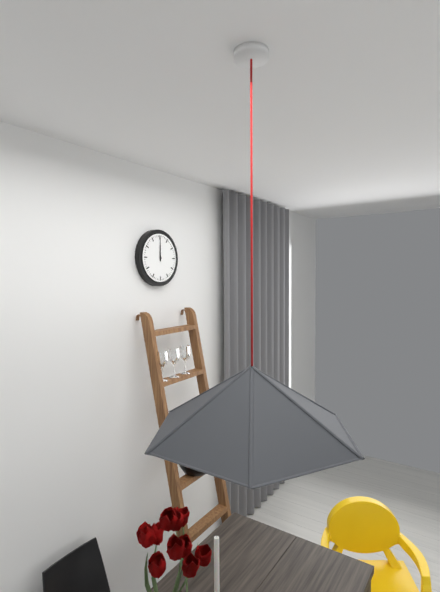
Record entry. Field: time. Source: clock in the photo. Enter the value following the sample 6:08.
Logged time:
12:00
